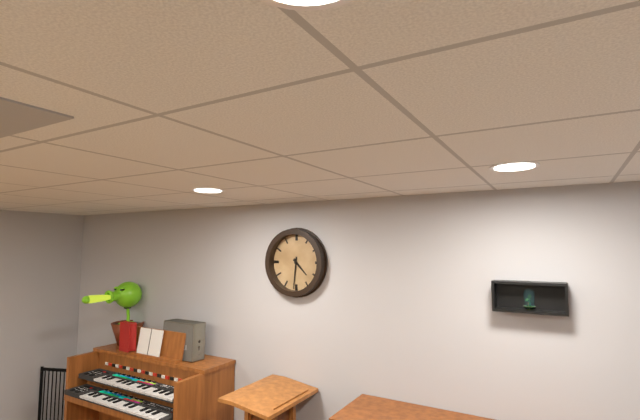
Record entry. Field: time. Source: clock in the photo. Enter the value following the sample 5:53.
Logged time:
4:31
